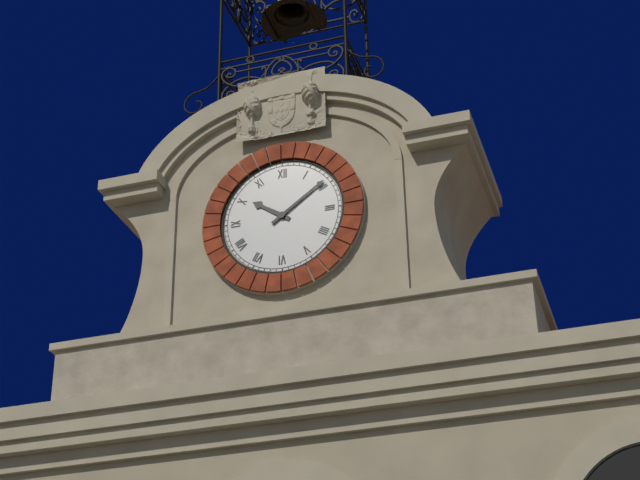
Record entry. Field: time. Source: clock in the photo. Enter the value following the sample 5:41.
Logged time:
10:09
